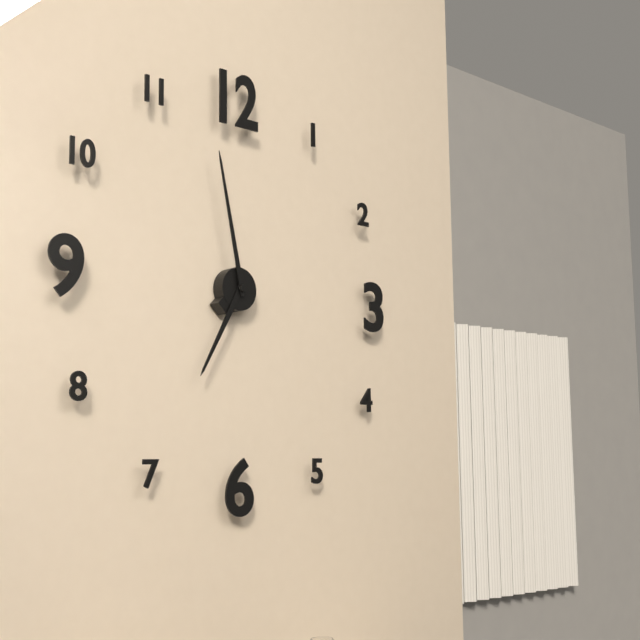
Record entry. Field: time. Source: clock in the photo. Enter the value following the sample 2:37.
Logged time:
6:58
